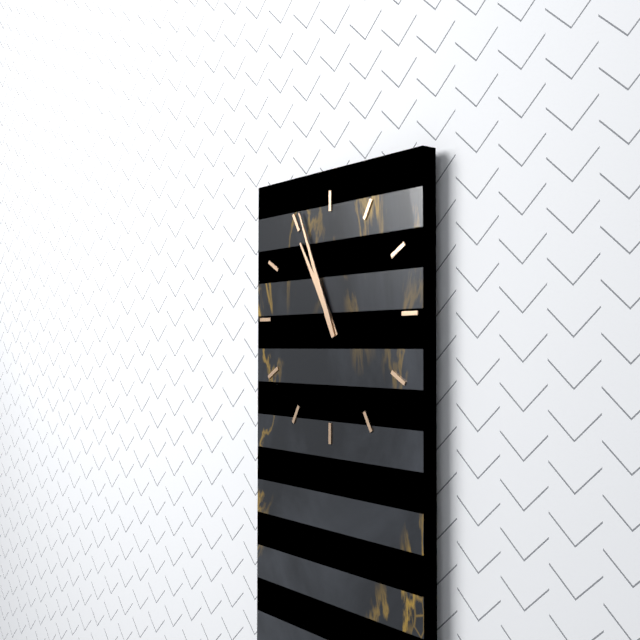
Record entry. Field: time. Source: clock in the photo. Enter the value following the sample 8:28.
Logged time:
10:56
